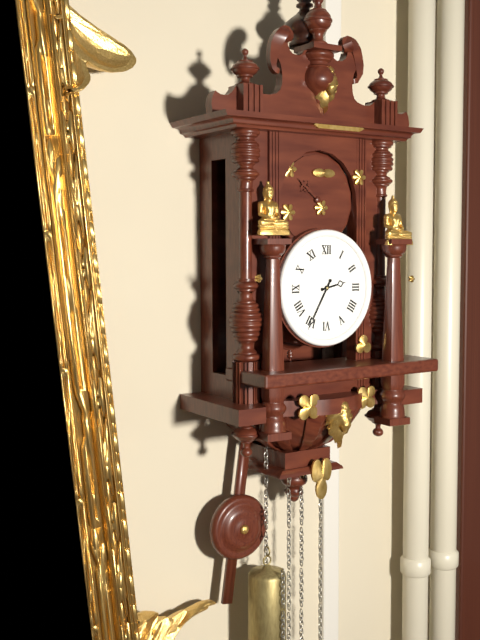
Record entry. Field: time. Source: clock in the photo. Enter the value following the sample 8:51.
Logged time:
2:35
